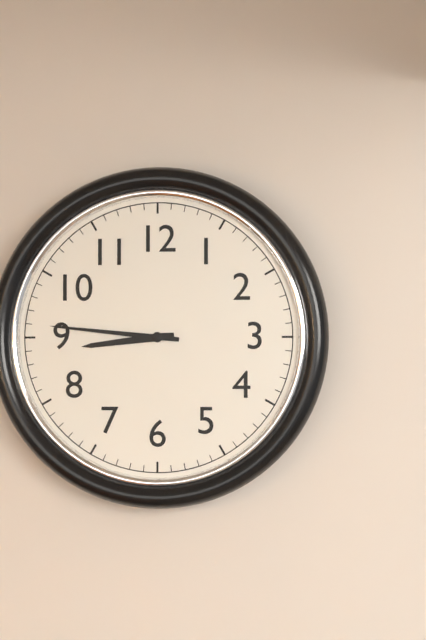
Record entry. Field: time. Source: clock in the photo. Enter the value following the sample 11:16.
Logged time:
8:46
